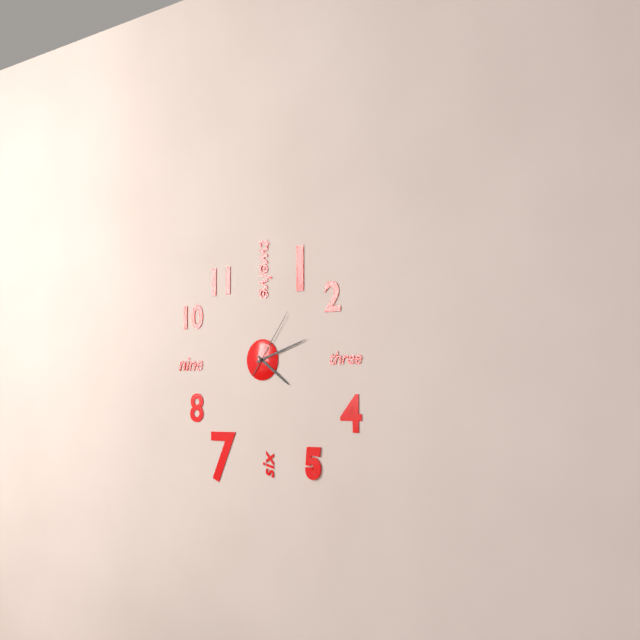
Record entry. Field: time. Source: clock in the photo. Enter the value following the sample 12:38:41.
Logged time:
4:12:06
